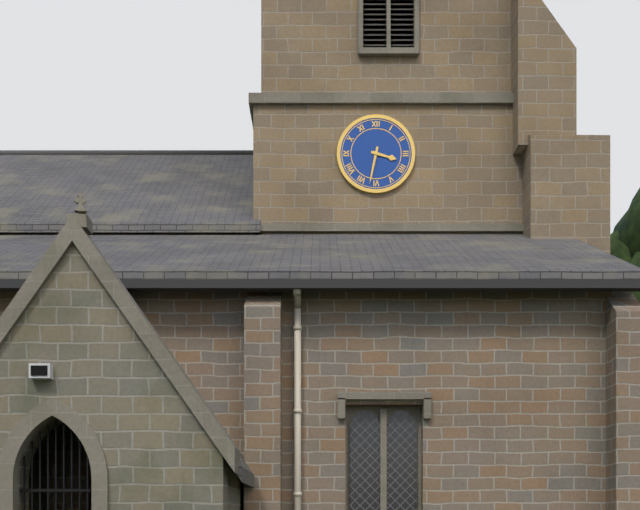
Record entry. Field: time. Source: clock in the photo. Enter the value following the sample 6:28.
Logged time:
3:32
